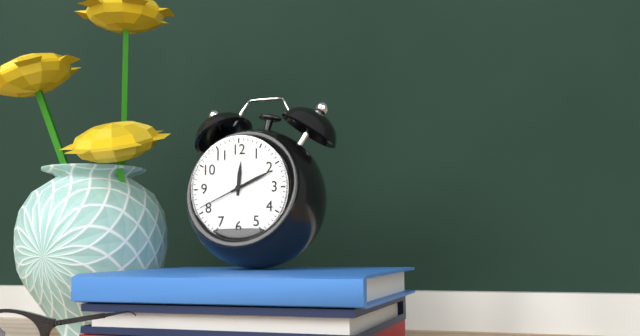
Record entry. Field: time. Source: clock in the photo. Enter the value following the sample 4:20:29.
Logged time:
12:11:41
